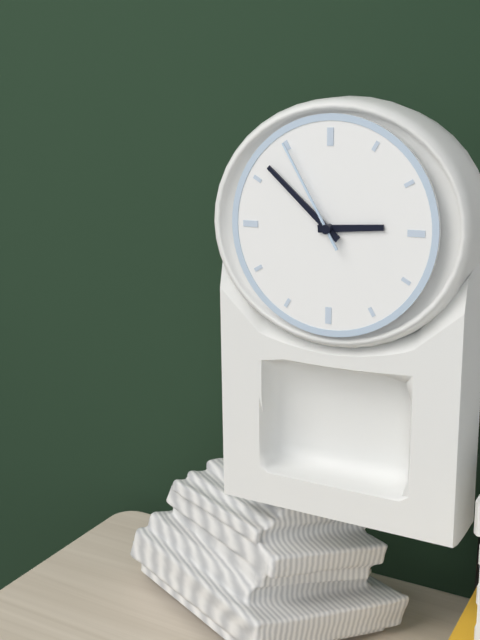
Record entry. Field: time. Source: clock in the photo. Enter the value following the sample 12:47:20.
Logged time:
2:52:55
